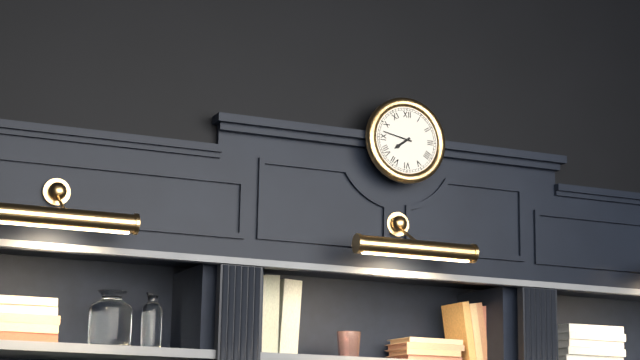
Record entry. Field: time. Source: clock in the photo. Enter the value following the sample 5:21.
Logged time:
7:47
